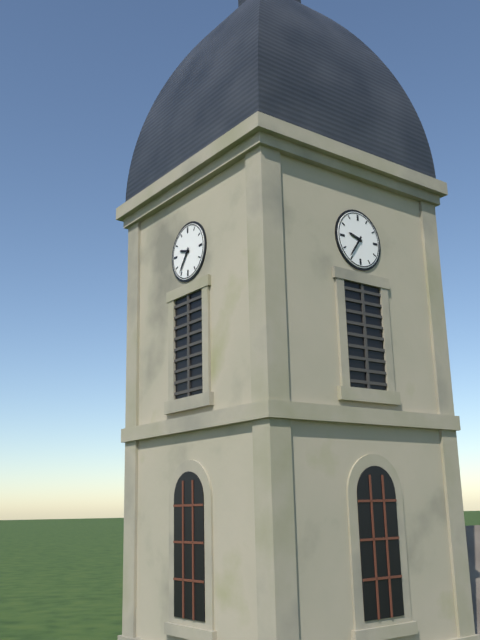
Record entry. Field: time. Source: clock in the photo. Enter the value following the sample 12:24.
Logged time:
9:36
